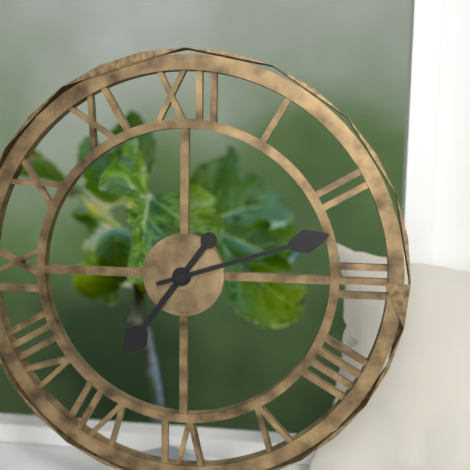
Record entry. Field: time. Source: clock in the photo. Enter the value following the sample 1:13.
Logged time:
7:12
